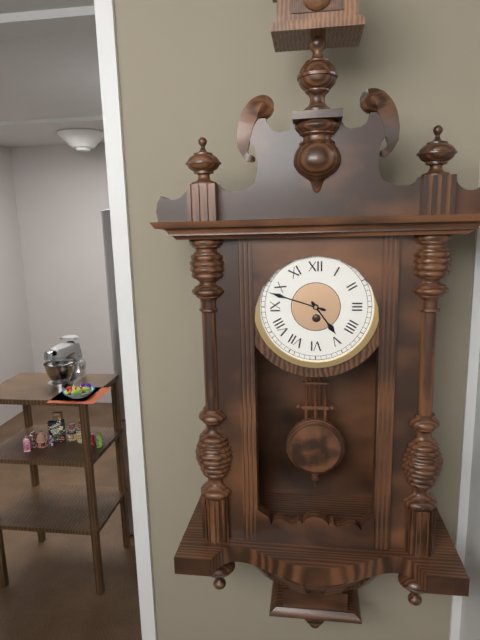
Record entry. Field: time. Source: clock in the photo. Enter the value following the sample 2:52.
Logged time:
4:48
